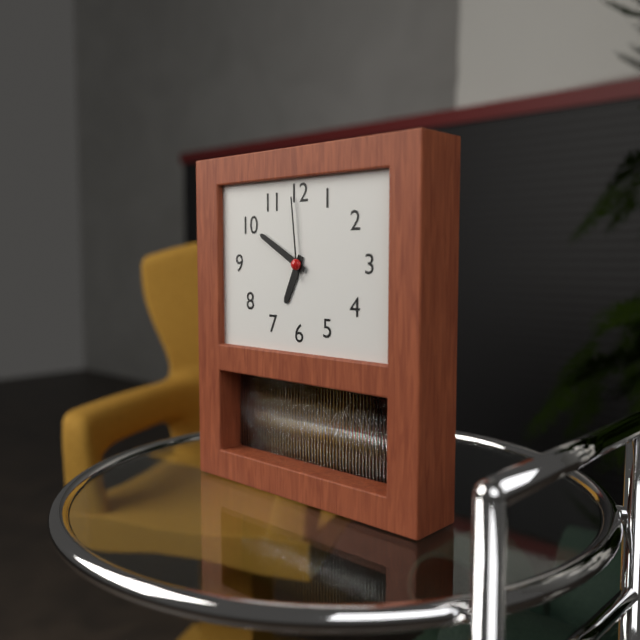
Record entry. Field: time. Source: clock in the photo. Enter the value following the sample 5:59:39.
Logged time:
6:50:59
